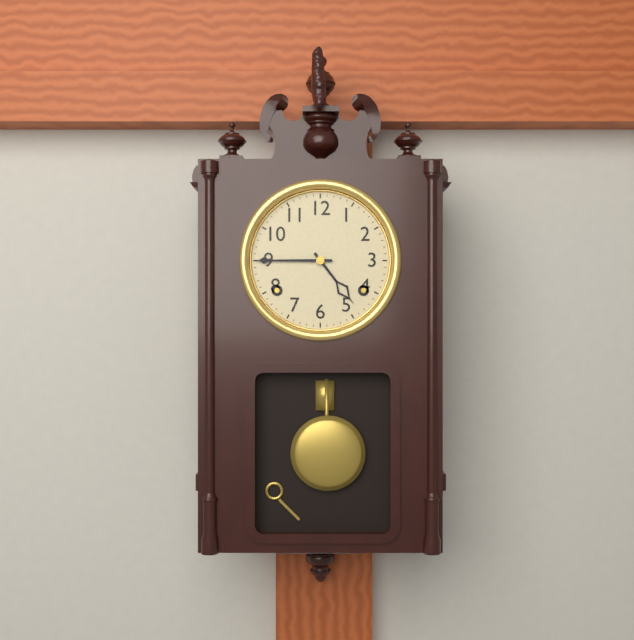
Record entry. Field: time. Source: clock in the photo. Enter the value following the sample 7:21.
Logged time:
4:45
